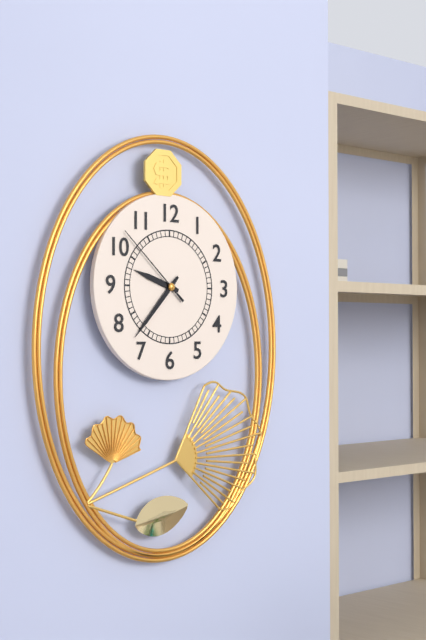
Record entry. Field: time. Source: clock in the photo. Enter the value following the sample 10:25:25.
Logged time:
9:37:52
